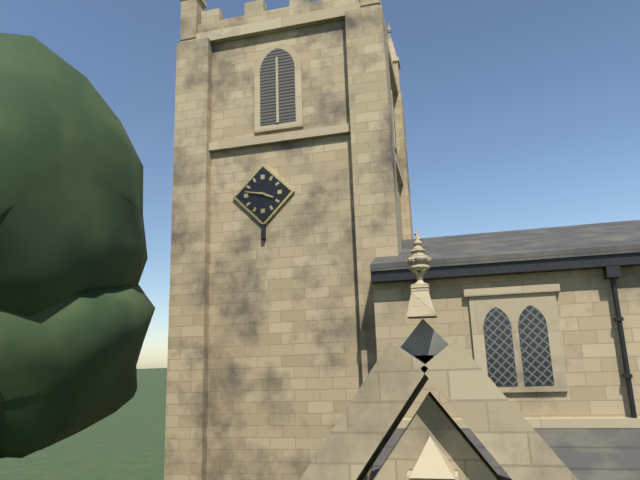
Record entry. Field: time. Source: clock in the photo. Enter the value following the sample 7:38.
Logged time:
3:47
